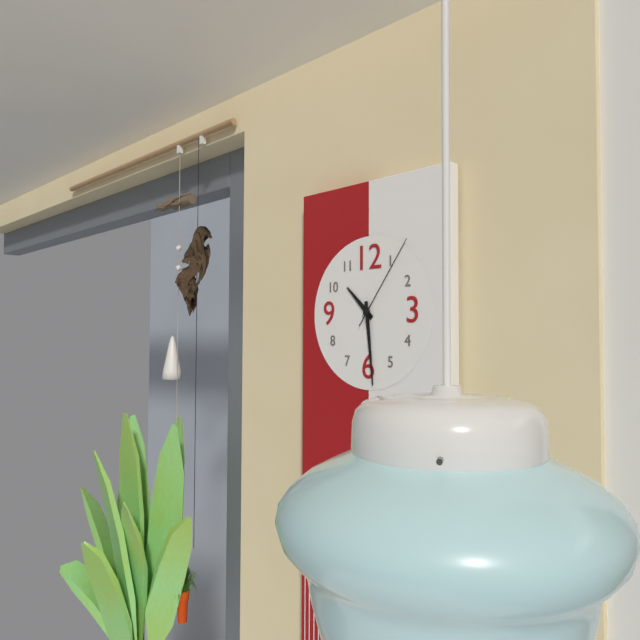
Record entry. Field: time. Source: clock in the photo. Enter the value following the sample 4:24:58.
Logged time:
10:29:06
